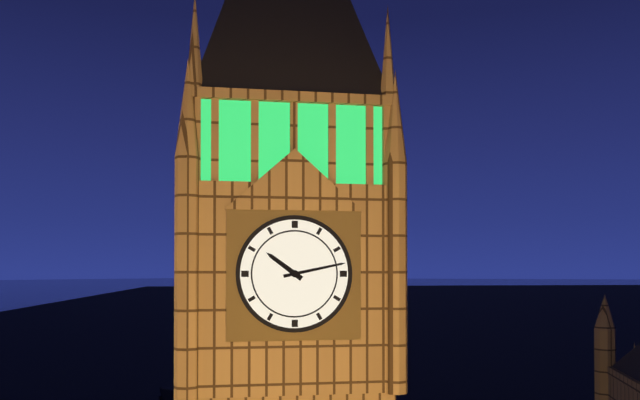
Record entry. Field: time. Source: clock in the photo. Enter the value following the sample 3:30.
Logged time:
10:13
